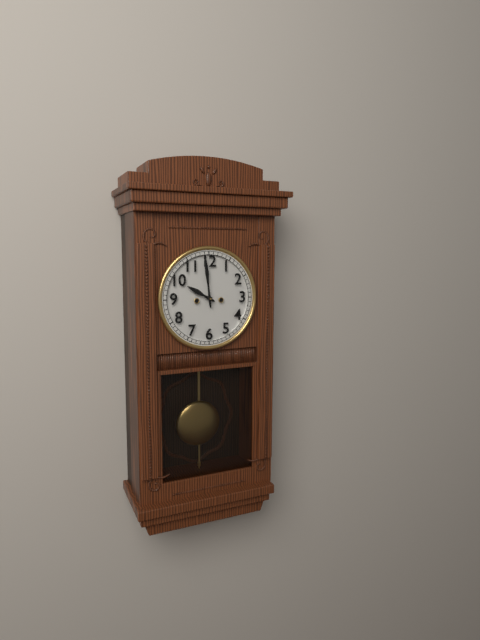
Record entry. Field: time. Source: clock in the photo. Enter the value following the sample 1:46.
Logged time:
9:59
